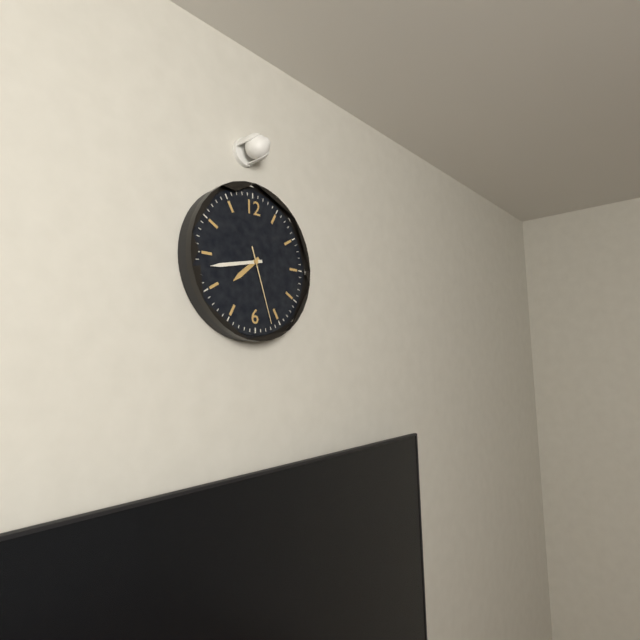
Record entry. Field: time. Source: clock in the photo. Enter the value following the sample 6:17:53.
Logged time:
7:43:27
